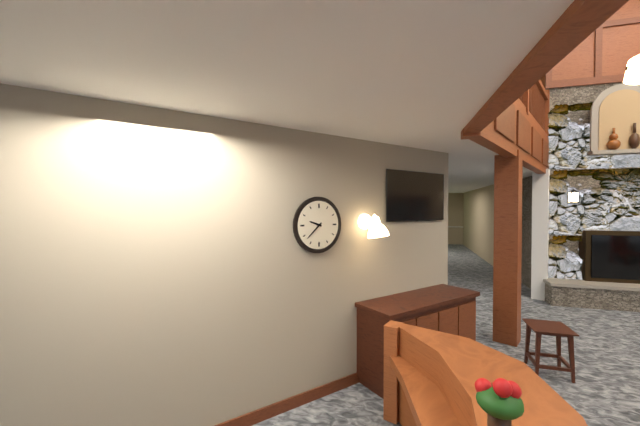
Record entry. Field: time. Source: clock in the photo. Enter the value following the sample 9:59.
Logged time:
9:38
